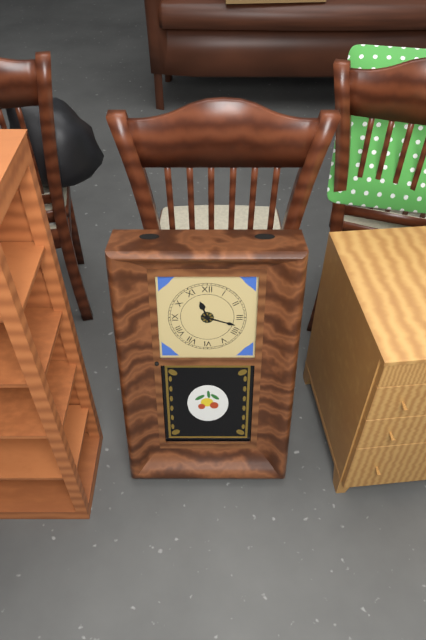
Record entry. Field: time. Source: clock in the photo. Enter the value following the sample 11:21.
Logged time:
11:18
